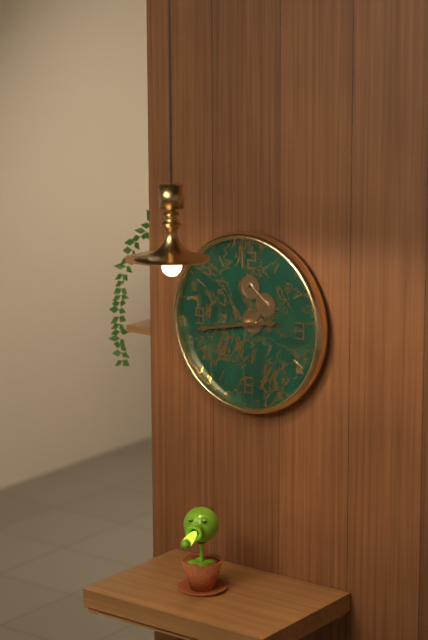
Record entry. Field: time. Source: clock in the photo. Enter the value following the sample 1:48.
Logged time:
2:43
